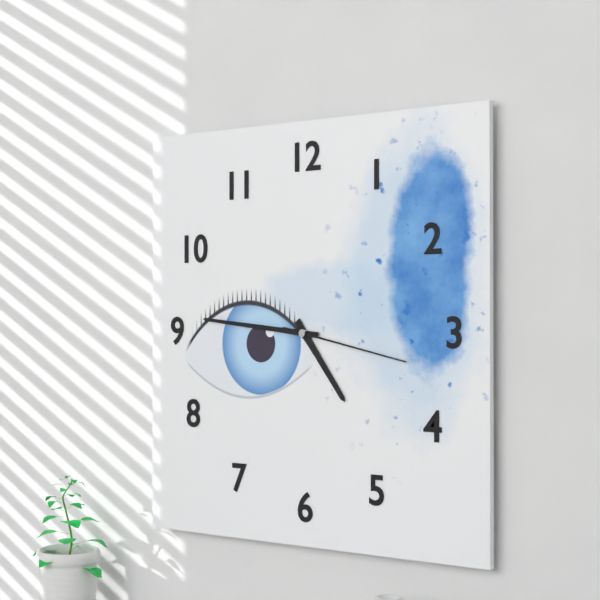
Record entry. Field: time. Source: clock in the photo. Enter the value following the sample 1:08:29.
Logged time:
4:46:17
